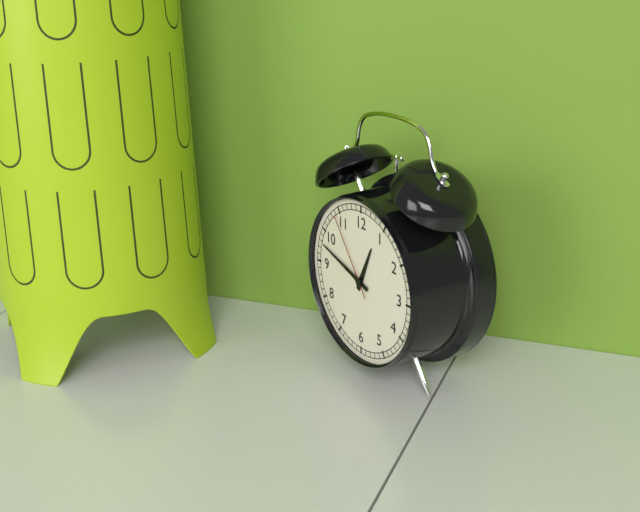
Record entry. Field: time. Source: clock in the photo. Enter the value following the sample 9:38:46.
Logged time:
12:48:54
